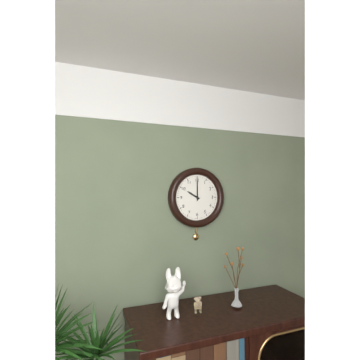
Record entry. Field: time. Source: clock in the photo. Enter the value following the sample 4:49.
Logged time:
10:00
